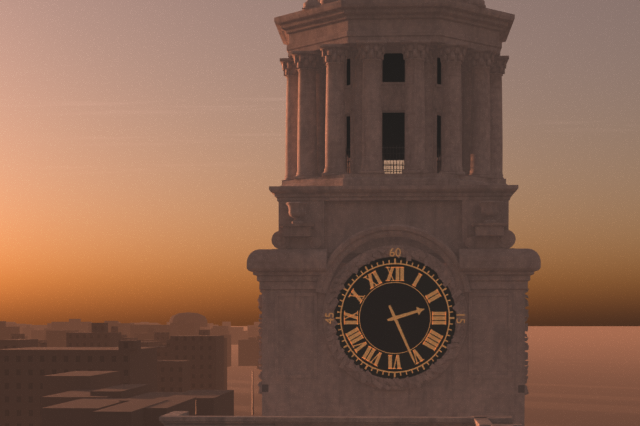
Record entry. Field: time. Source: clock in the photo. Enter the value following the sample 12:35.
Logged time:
2:26
